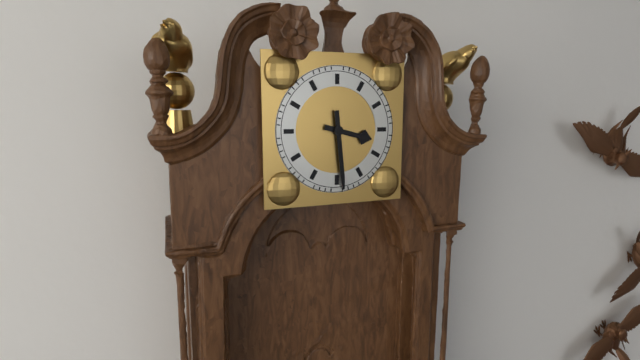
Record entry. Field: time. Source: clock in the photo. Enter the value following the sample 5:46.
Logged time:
3:29
